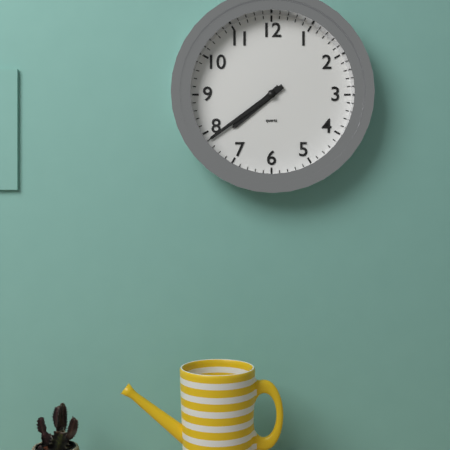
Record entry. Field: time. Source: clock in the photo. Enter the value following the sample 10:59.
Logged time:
7:39
